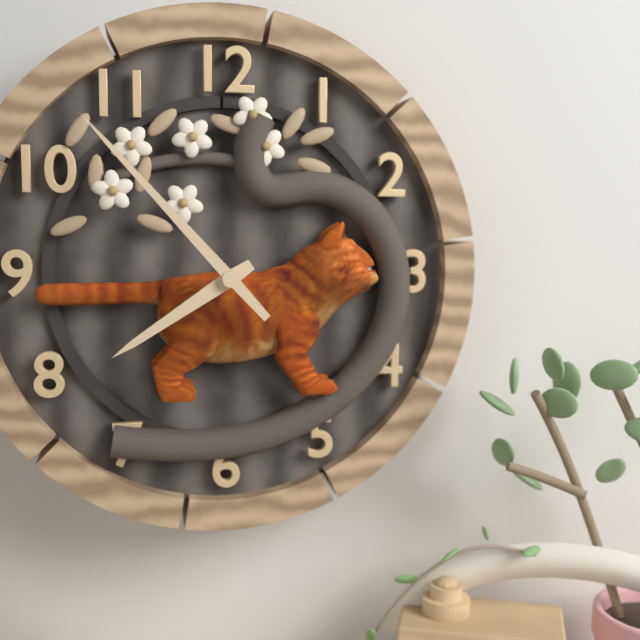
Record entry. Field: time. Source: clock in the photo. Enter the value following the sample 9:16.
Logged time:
7:53
